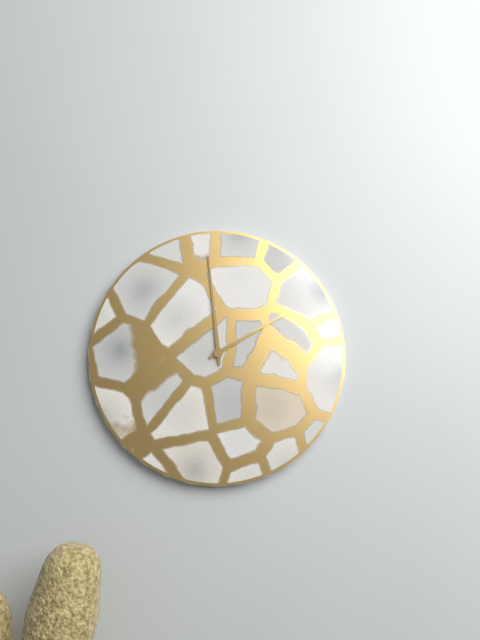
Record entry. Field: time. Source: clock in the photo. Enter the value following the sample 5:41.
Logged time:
1:59
